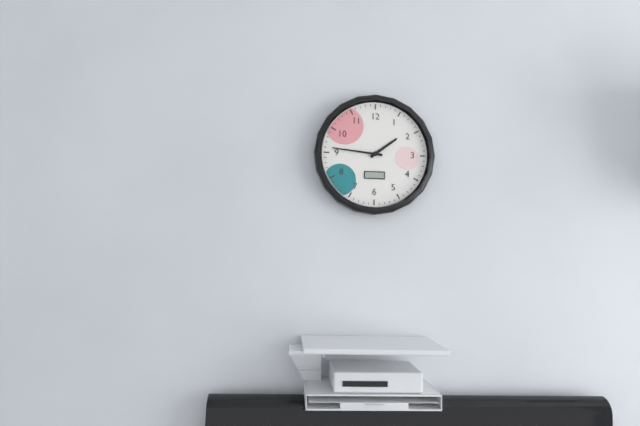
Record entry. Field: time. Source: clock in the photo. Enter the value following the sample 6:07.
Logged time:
1:46
